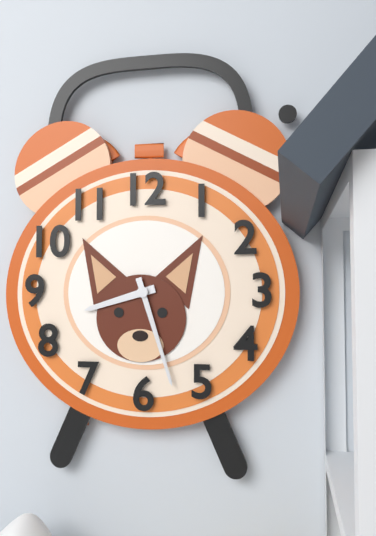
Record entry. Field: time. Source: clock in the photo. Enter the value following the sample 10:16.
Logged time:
8:27
